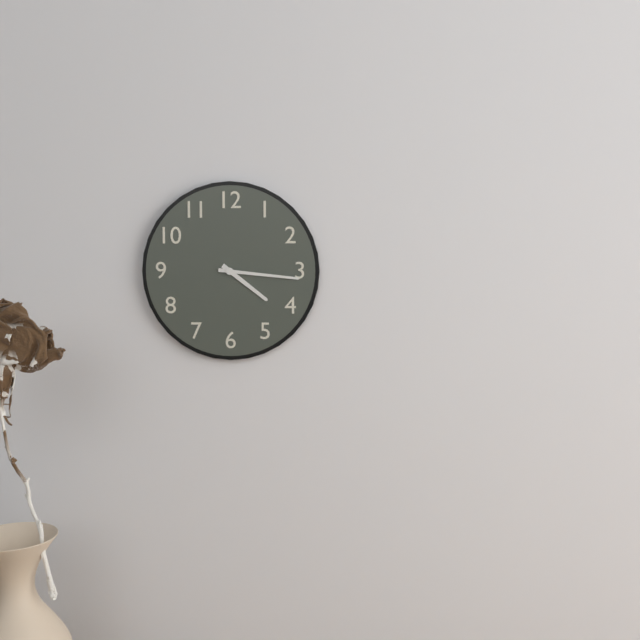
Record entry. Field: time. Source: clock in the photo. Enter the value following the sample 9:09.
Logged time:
4:16
